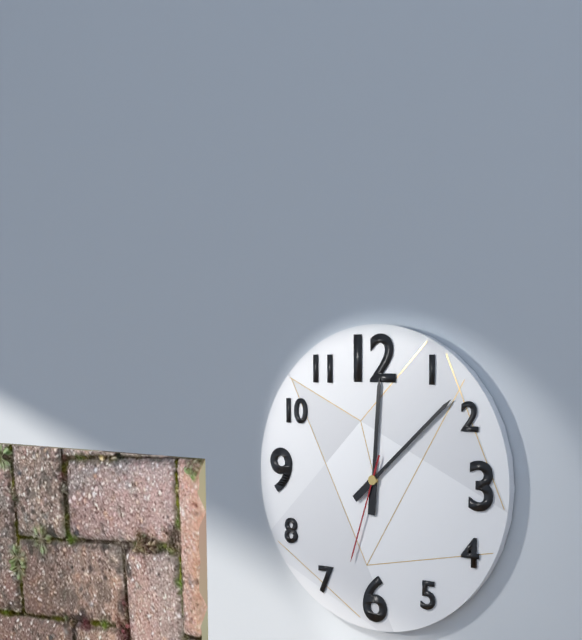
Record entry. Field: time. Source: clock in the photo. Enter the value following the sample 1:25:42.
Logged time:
12:08:33
